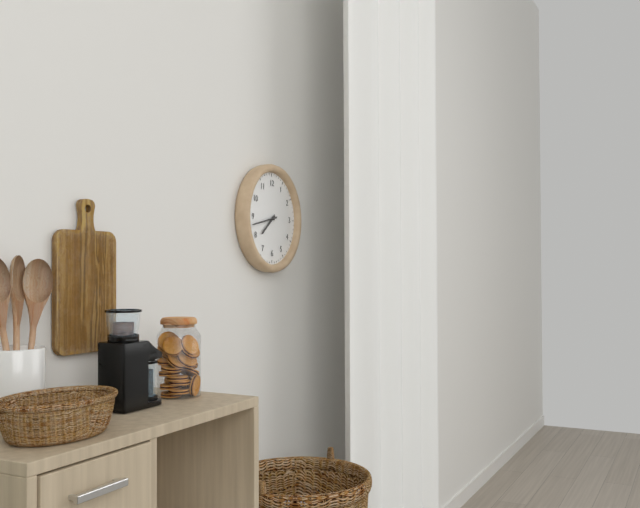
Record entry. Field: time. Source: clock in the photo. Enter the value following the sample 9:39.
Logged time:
7:43
